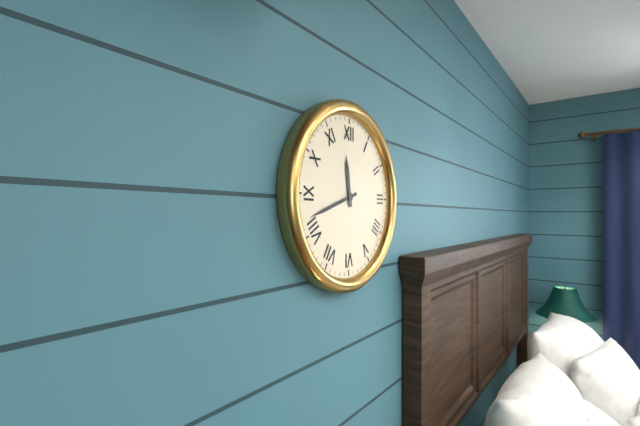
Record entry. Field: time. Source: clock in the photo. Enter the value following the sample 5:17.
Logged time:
11:42
